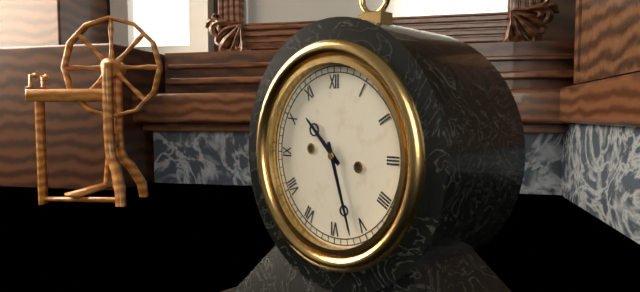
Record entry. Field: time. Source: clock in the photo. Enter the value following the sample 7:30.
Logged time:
10:27
